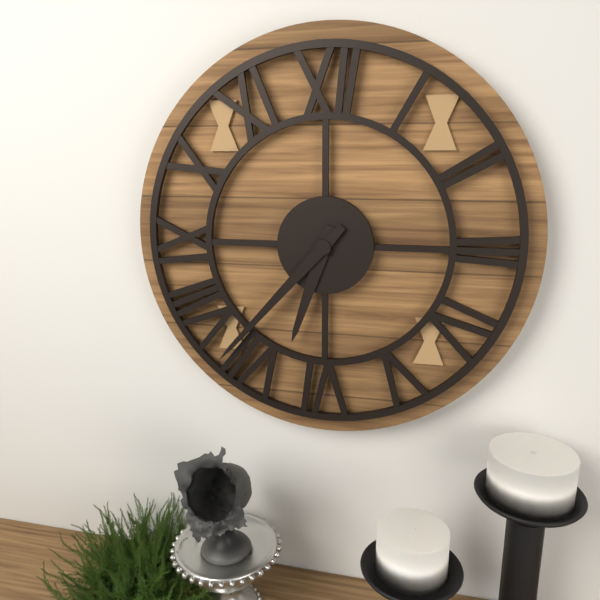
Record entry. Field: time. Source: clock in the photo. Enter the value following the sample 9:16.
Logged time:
6:37
